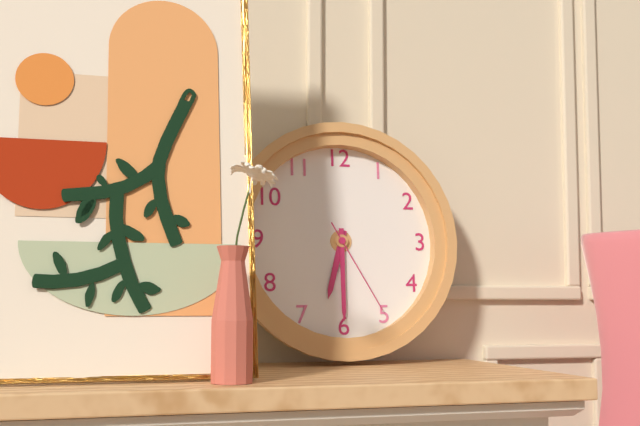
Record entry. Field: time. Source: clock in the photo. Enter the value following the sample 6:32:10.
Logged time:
6:30:25
